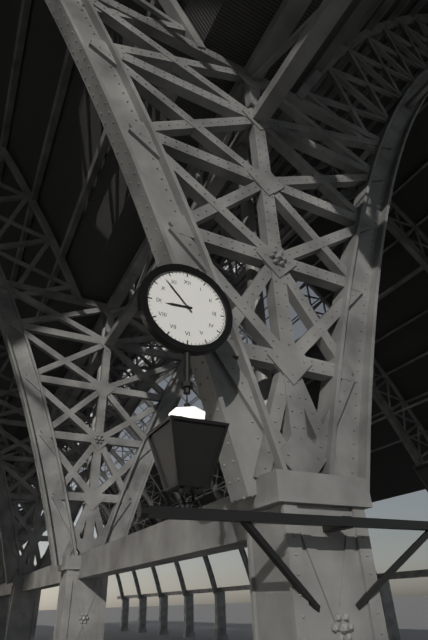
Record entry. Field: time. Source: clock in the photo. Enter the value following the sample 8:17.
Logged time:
8:53
